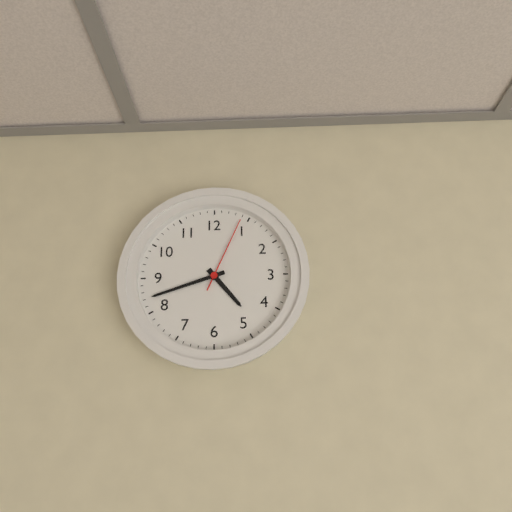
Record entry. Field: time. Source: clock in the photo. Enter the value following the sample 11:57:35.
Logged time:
4:42:04
